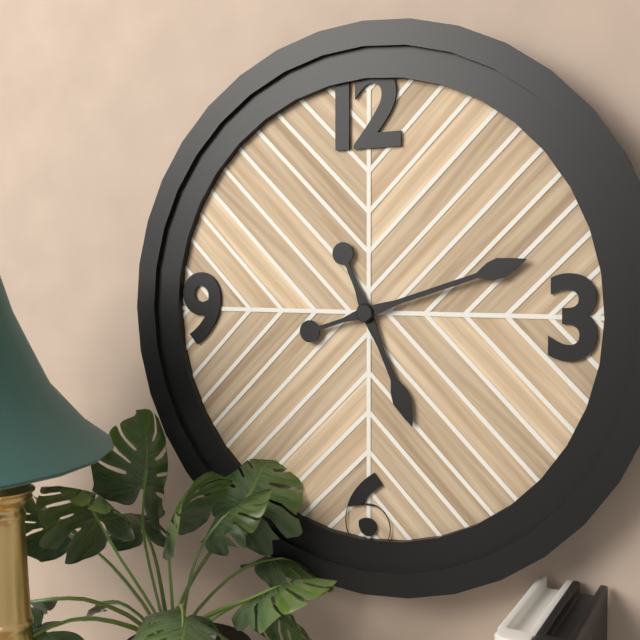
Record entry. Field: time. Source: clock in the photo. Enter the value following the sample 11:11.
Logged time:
5:12
